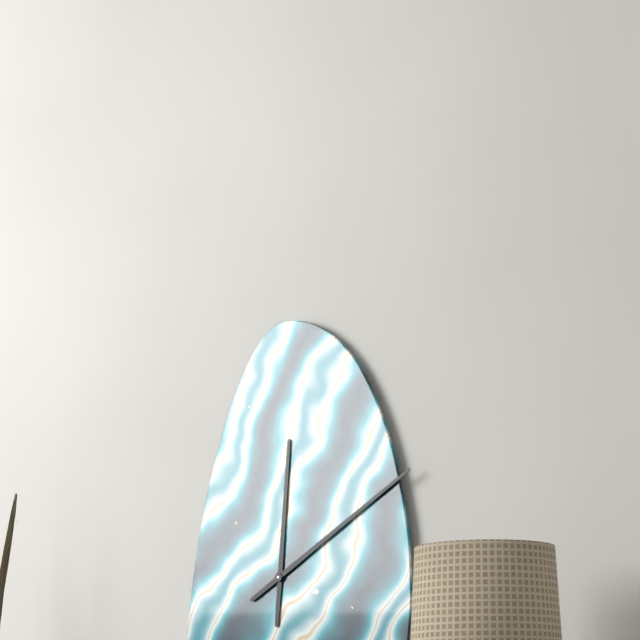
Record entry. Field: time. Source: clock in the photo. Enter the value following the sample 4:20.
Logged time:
12:10
